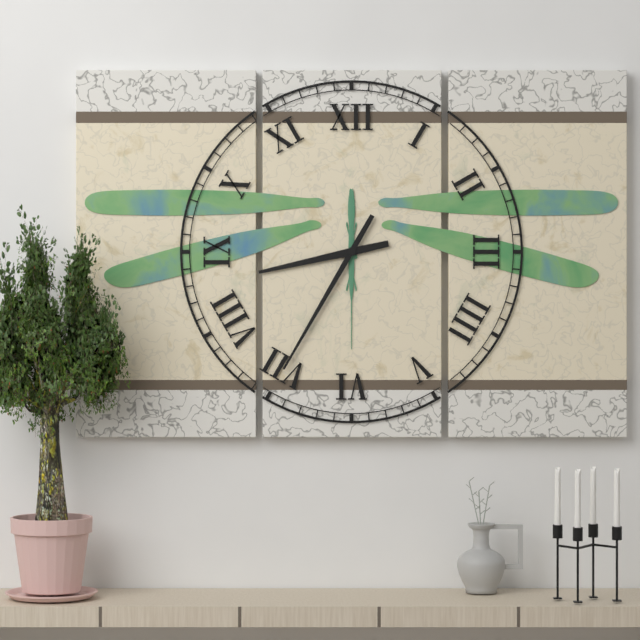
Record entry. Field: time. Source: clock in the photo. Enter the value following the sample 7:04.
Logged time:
8:35
